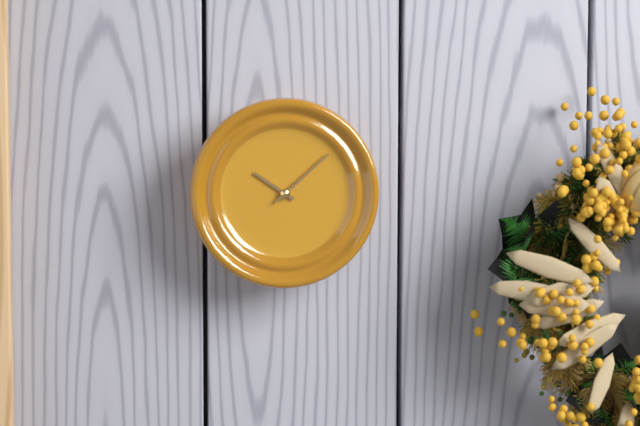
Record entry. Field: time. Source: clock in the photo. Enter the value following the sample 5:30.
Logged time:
10:08
